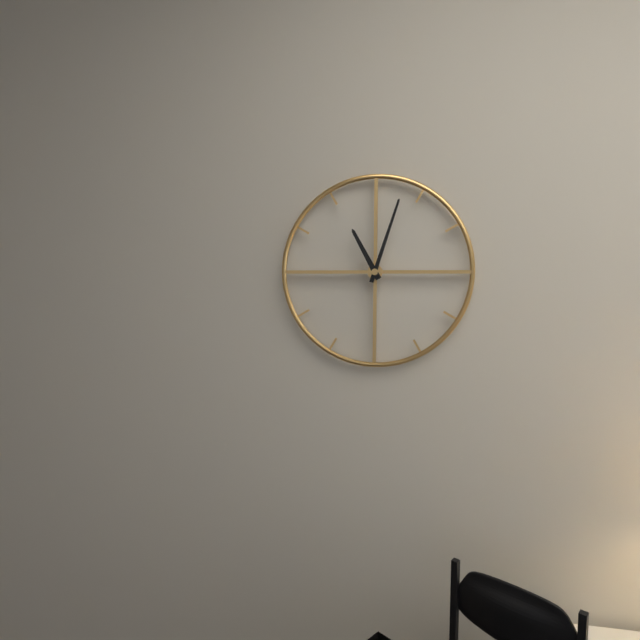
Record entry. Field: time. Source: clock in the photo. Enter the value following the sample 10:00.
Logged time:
11:03
